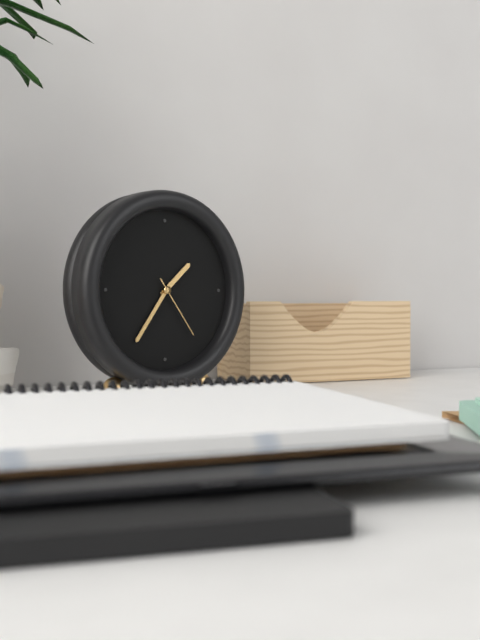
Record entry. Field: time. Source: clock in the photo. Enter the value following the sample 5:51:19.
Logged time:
1:36:24
